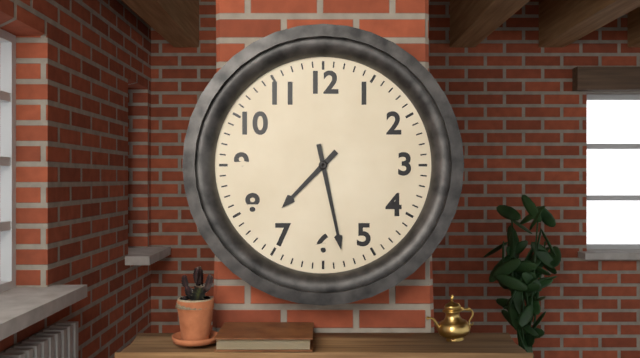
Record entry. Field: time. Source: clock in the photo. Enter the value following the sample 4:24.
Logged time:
7:28
